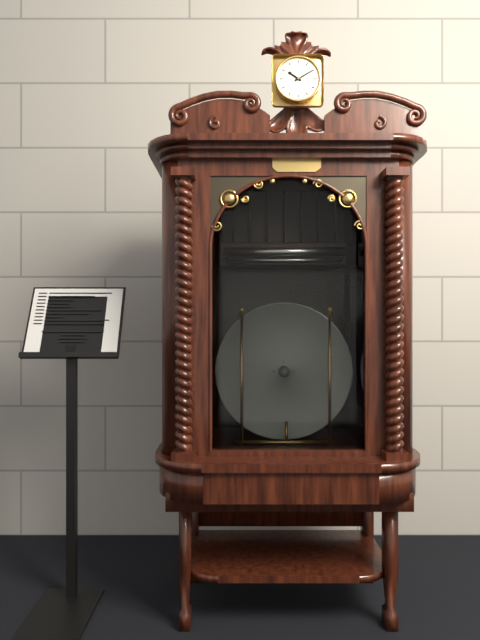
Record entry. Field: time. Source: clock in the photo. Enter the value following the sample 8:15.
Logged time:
10:10
